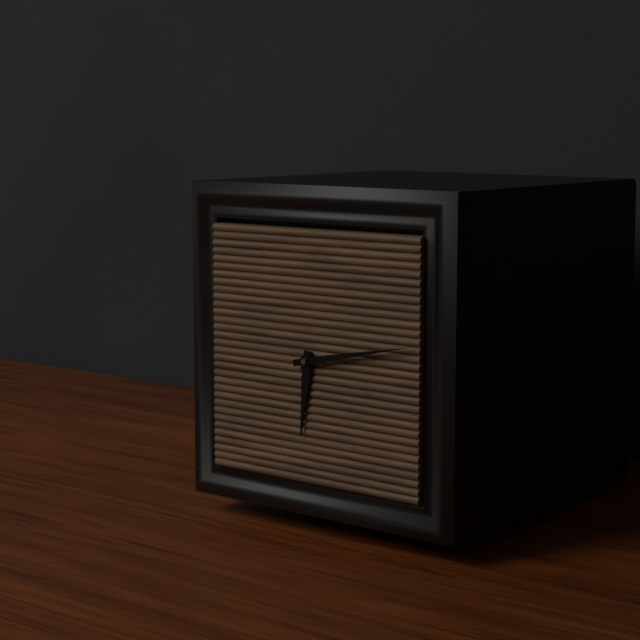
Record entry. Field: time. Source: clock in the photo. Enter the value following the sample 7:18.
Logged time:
6:13
